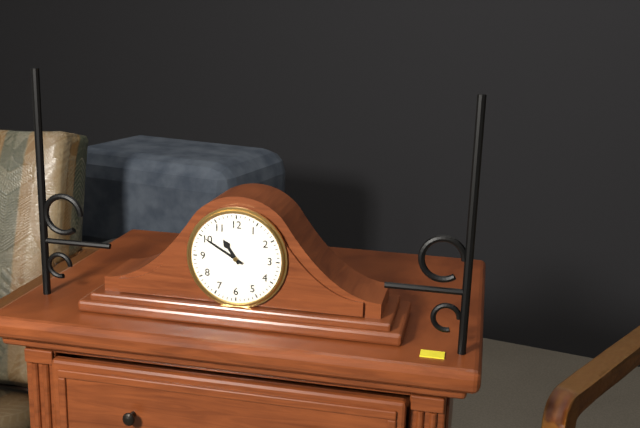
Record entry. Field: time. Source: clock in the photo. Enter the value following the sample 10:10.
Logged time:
10:50
